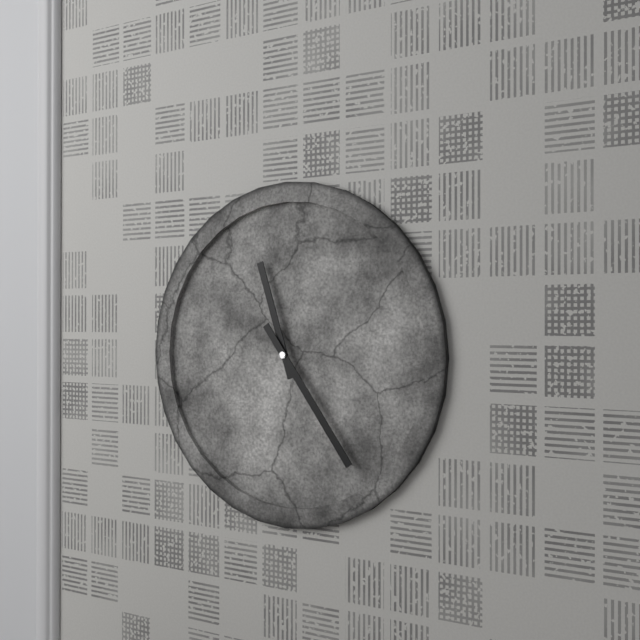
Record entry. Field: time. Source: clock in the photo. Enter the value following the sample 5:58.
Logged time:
11:24
